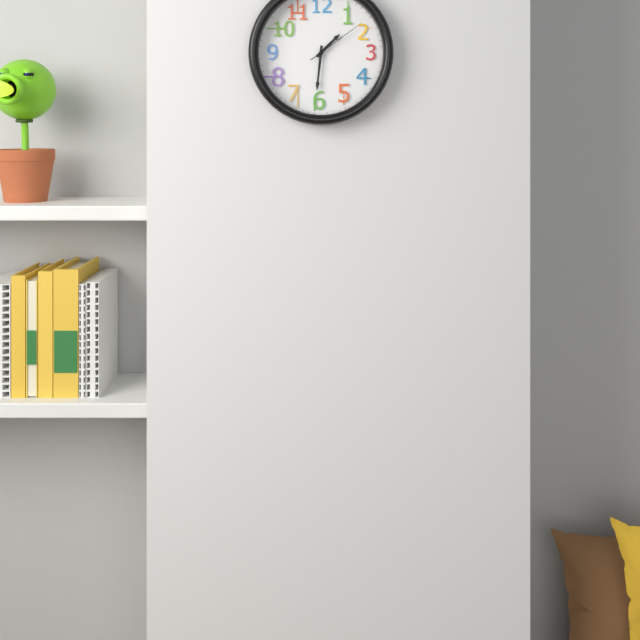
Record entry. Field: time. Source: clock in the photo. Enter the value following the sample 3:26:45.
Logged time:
1:31:09
